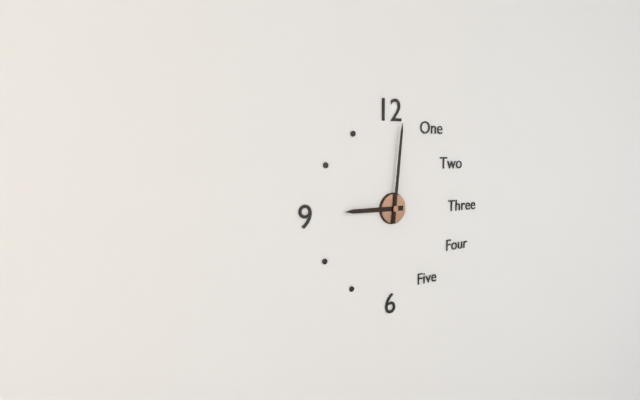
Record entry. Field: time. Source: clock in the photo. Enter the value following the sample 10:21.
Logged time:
9:01
